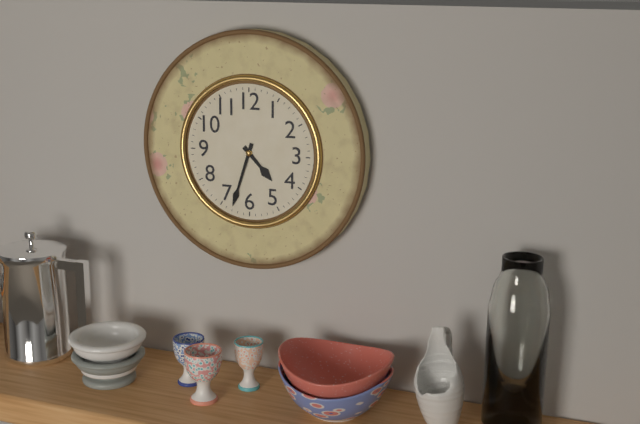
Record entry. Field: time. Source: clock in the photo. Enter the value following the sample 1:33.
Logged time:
4:33
